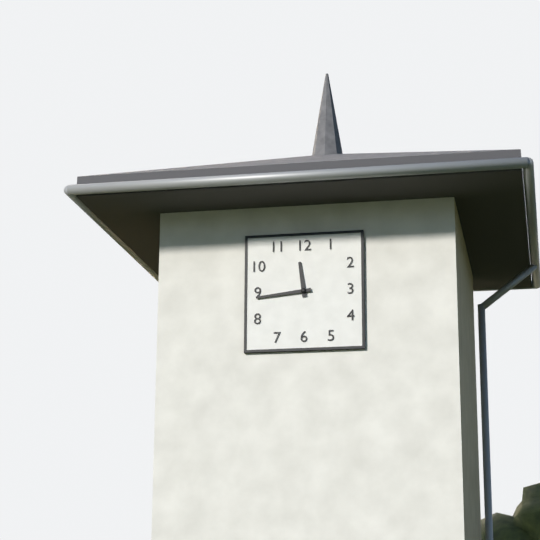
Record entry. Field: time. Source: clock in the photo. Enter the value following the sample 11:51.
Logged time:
11:44
